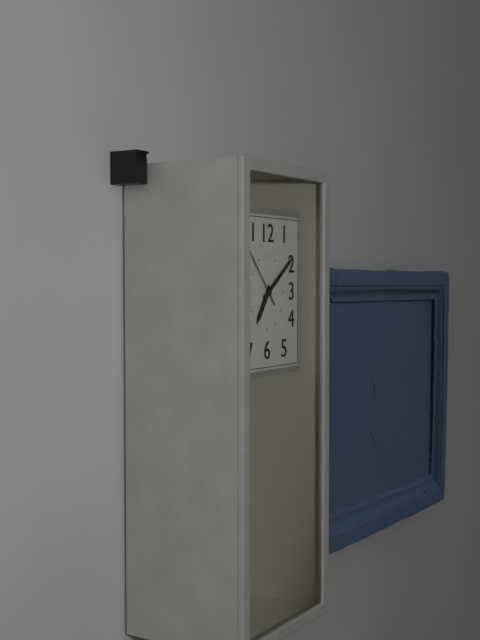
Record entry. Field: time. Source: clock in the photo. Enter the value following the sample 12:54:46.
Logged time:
7:09:53
